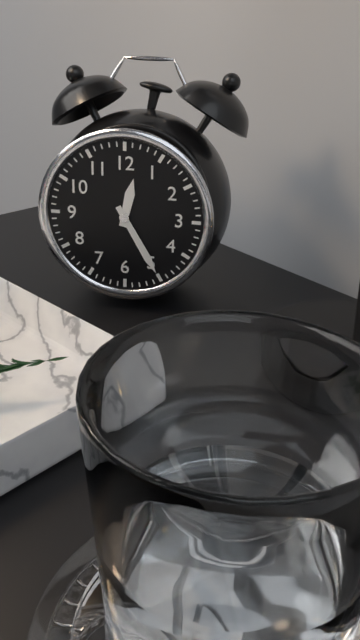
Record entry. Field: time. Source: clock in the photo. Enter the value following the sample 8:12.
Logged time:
12:25
